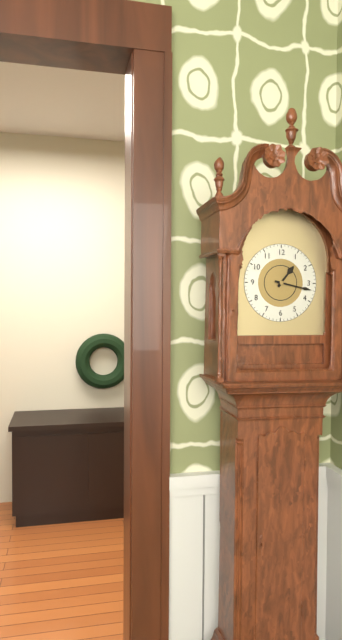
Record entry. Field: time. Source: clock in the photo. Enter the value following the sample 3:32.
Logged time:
1:17
